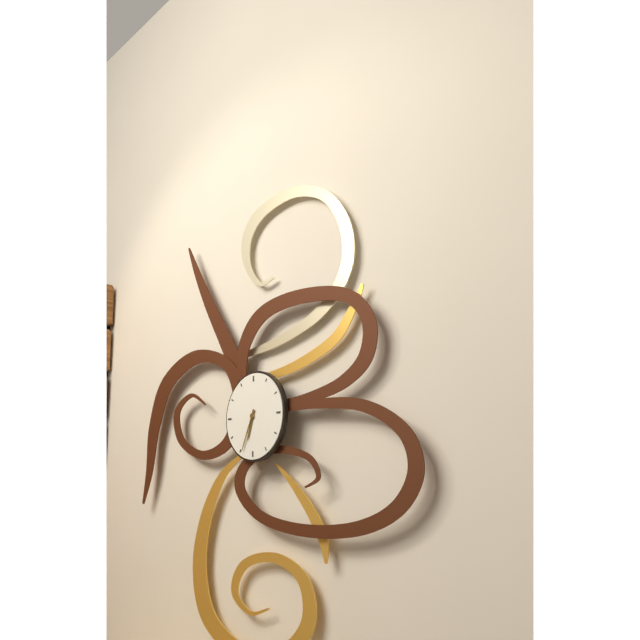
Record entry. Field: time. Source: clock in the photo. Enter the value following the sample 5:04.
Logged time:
6:34
